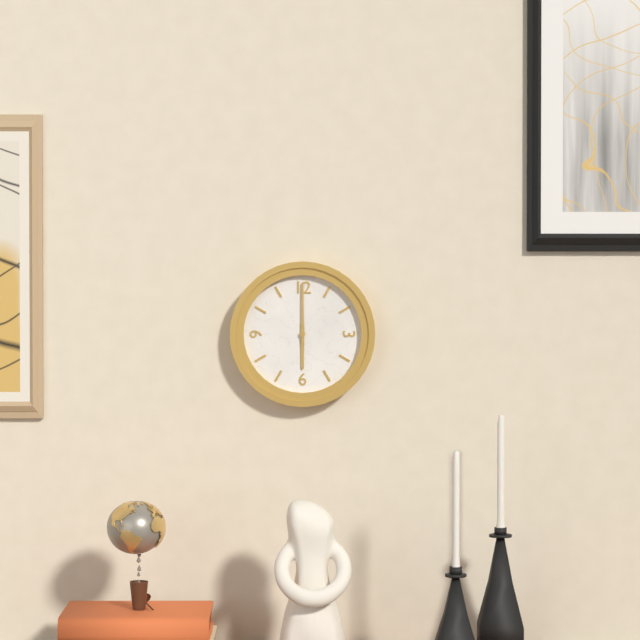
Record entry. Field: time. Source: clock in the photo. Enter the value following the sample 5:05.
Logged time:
6:00
